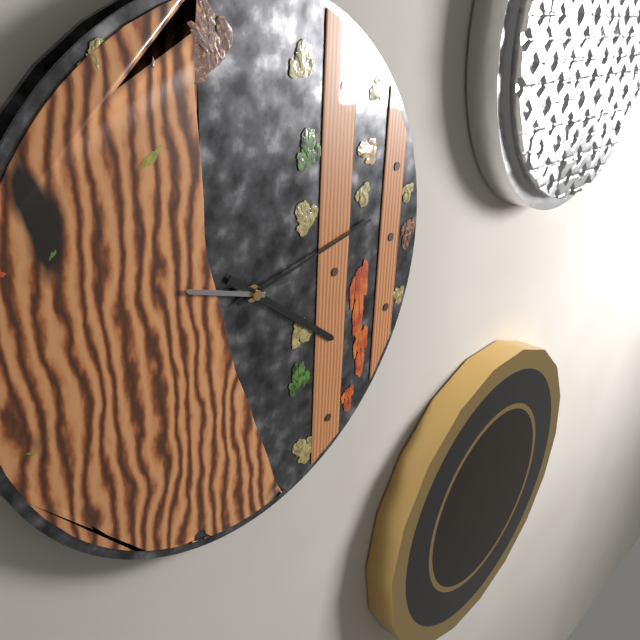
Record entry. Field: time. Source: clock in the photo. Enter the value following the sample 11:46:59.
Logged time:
4:13:48
